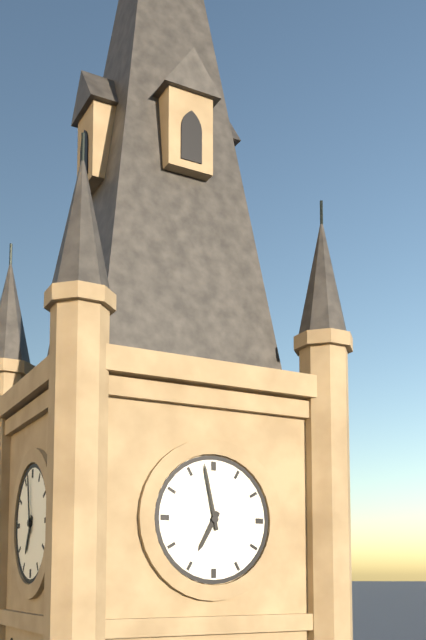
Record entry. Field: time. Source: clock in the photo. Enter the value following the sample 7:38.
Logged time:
6:58
